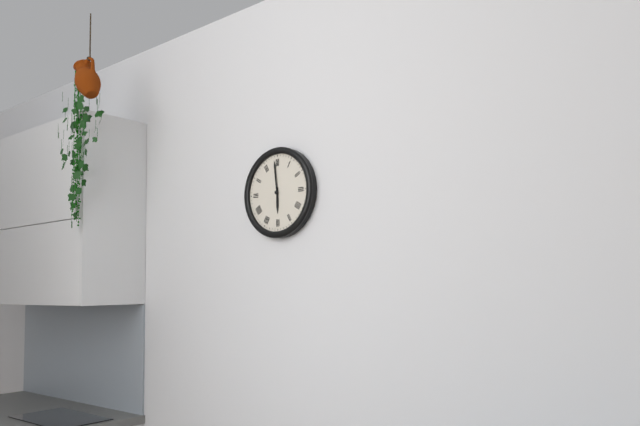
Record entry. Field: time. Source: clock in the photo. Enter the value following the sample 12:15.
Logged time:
5:59
